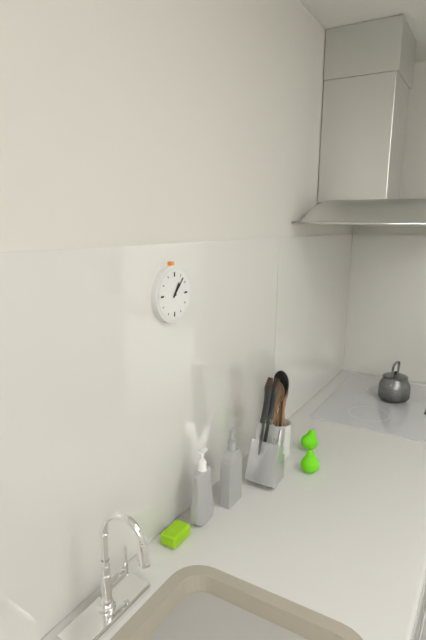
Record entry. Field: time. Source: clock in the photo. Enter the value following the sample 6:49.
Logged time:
1:07
